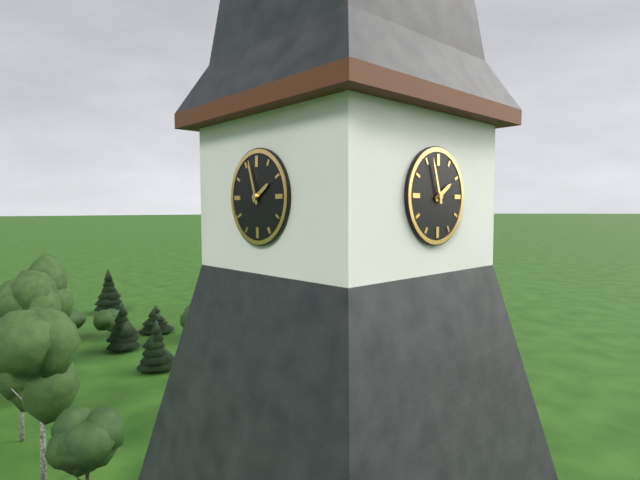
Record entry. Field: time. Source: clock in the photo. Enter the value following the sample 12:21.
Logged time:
1:57
